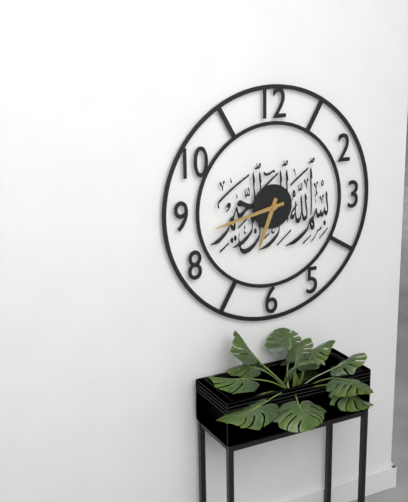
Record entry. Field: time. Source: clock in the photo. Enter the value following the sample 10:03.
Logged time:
6:43
